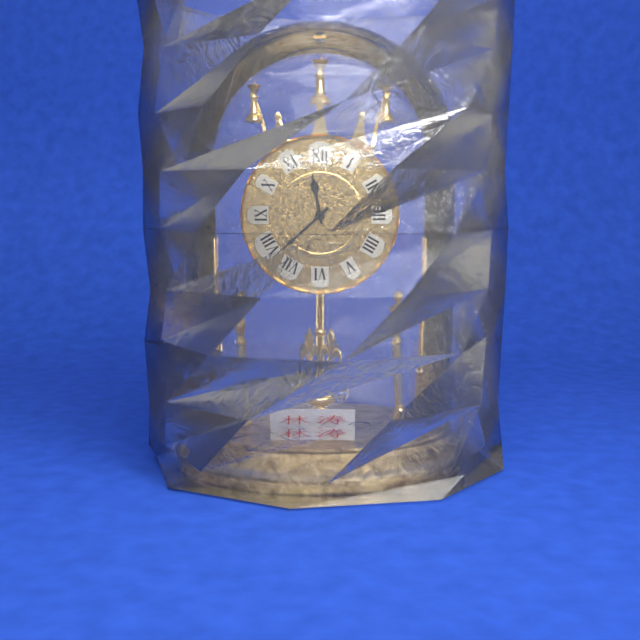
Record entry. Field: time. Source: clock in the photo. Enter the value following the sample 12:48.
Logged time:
11:38
